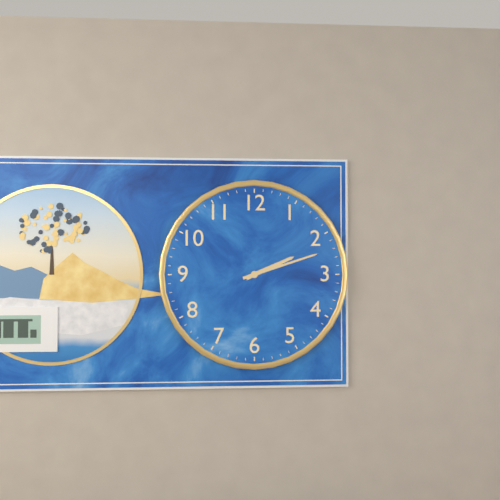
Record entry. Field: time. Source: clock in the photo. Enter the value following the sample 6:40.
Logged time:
2:12
